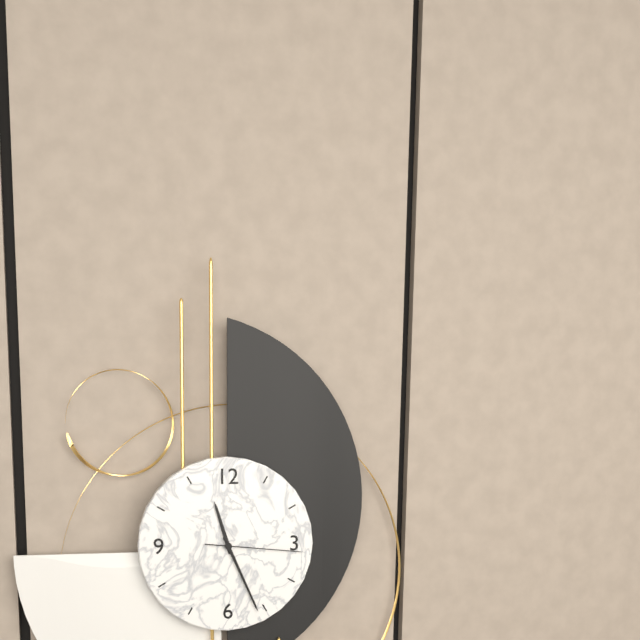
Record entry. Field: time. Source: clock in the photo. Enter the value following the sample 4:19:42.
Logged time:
11:26:16
